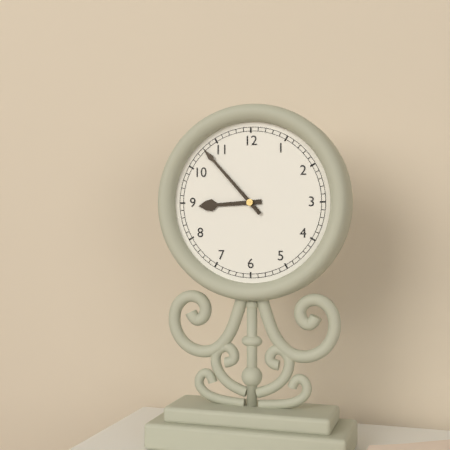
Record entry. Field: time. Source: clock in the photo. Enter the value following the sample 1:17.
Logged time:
8:53
